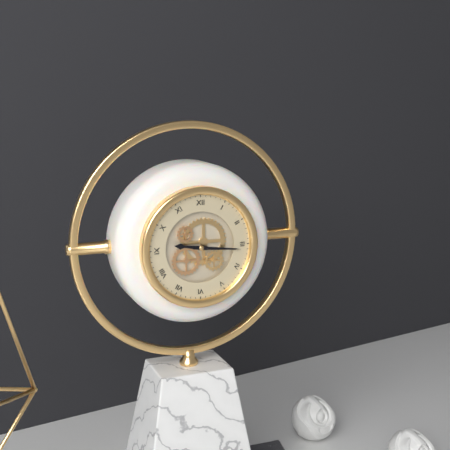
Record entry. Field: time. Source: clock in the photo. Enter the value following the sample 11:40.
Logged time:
9:16
